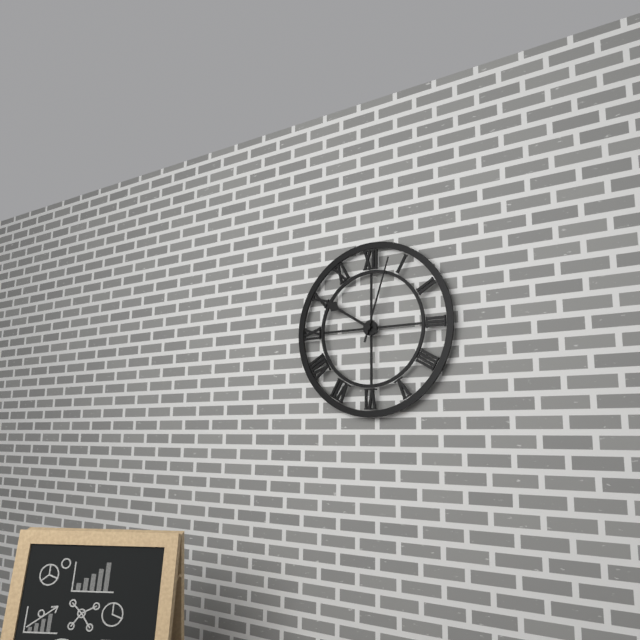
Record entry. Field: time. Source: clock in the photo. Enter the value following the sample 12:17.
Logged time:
10:03
